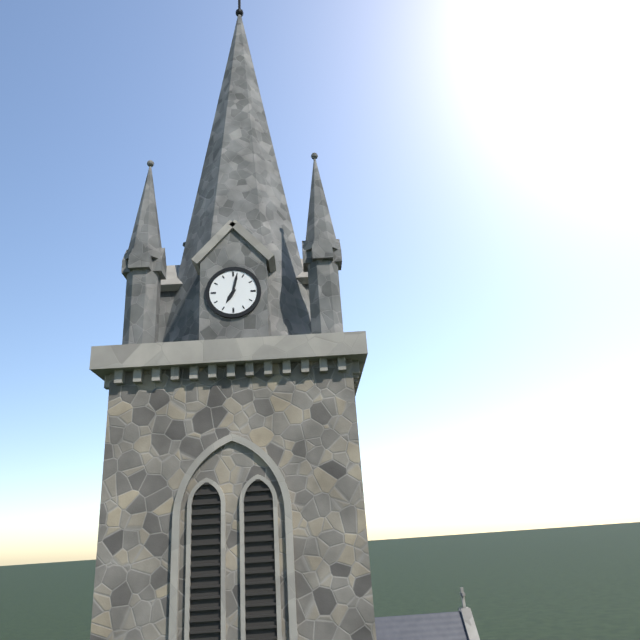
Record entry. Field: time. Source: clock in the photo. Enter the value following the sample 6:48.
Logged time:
7:02
